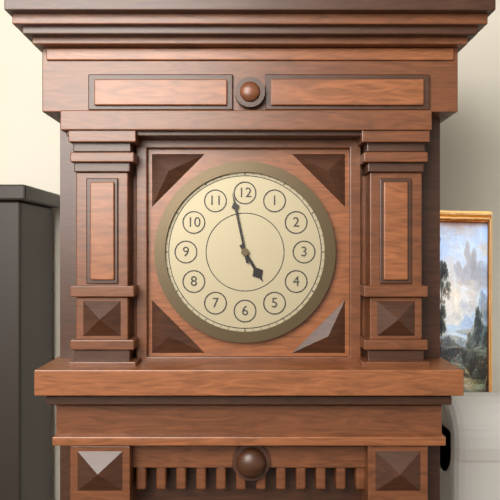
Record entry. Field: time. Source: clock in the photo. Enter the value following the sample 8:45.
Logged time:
4:58
